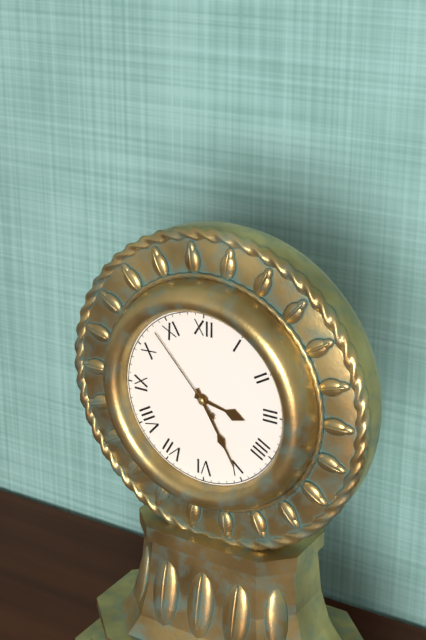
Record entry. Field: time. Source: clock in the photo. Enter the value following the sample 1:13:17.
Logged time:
3:25:53
